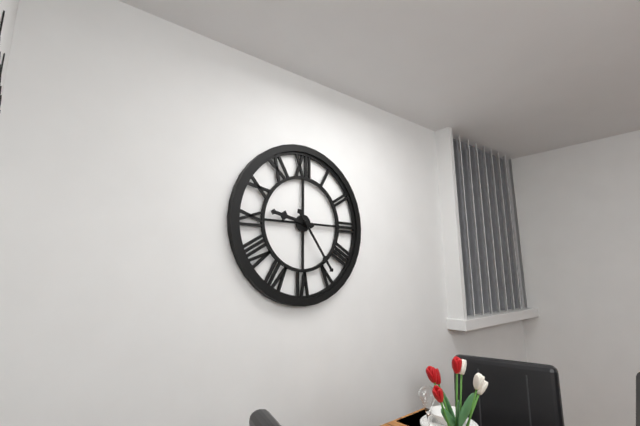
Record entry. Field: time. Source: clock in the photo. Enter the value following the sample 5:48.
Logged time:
9:24
